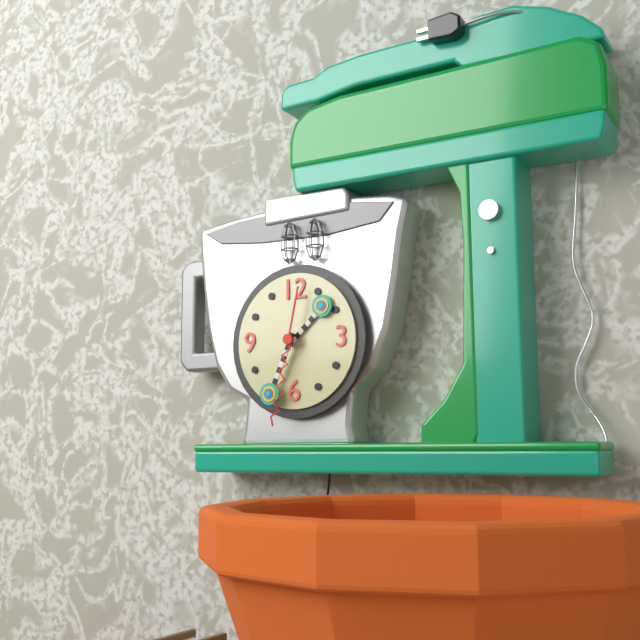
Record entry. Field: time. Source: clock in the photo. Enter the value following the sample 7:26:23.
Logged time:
1:34:32
